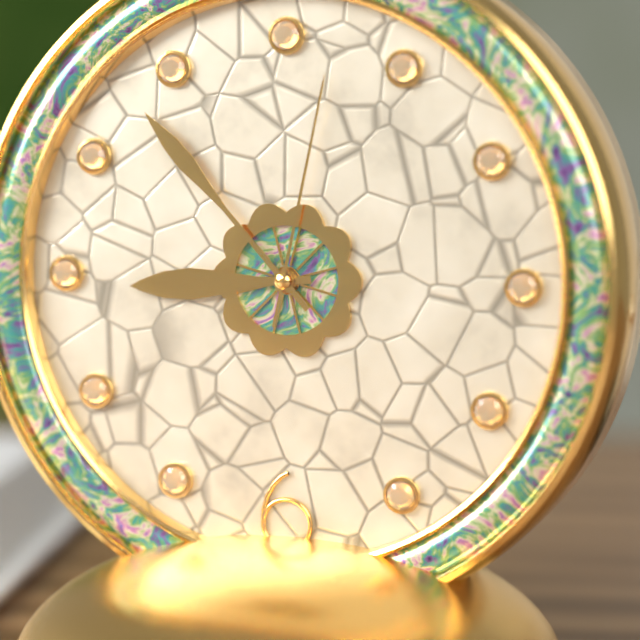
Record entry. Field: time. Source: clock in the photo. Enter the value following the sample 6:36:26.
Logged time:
8:53:02
